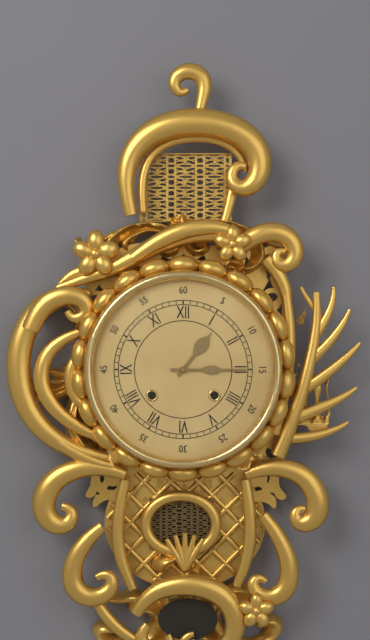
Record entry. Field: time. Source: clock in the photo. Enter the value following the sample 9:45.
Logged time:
1:15
